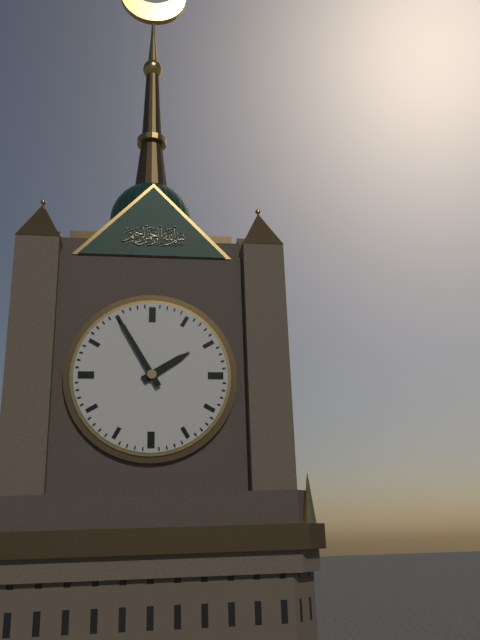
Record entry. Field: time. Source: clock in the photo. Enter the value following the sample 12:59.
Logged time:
1:55
